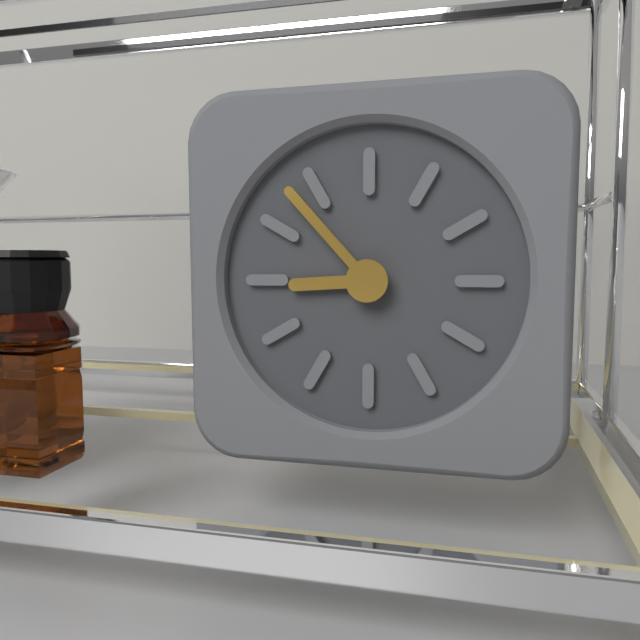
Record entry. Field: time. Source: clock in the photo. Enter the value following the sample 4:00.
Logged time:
8:53
